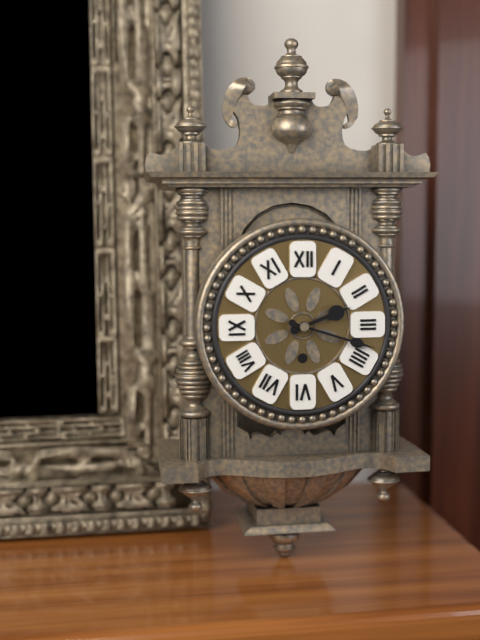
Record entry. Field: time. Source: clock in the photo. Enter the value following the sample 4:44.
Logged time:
2:18
